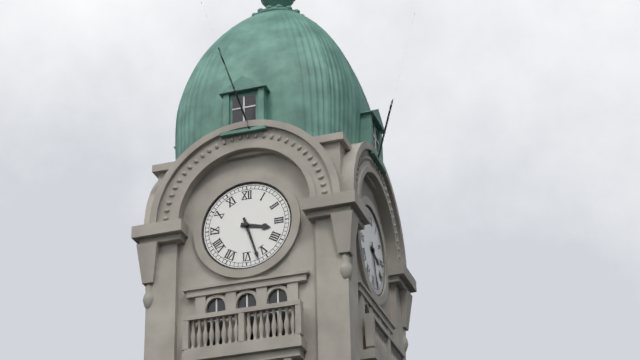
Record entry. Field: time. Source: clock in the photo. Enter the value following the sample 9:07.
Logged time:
3:27
